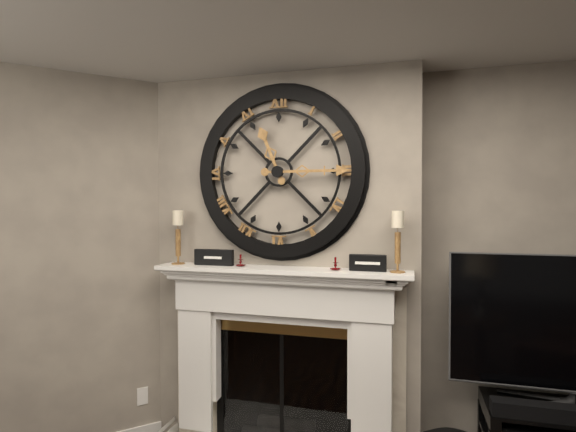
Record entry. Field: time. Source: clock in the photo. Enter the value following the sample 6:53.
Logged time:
11:15
